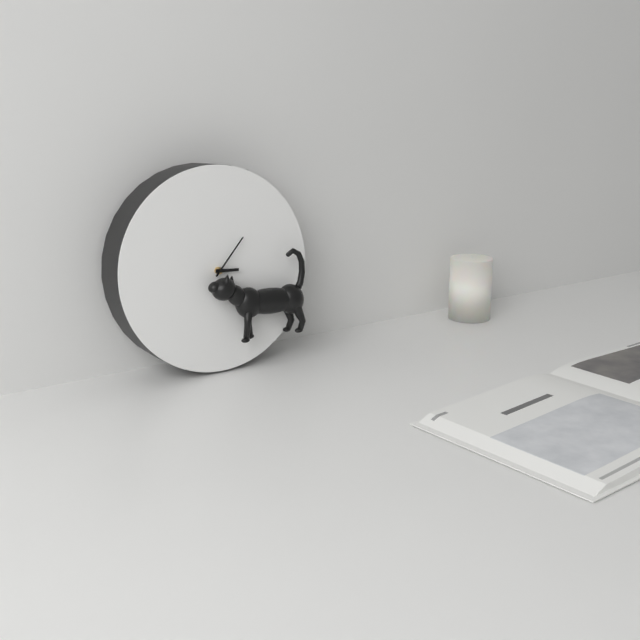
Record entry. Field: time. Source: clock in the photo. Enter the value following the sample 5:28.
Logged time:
3:07
